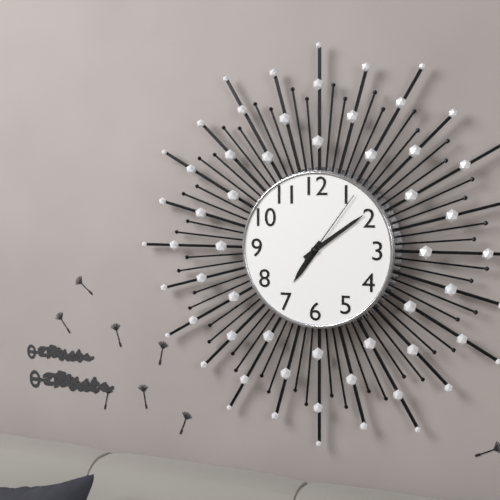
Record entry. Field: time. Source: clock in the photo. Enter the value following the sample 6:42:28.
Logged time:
7:09:06
